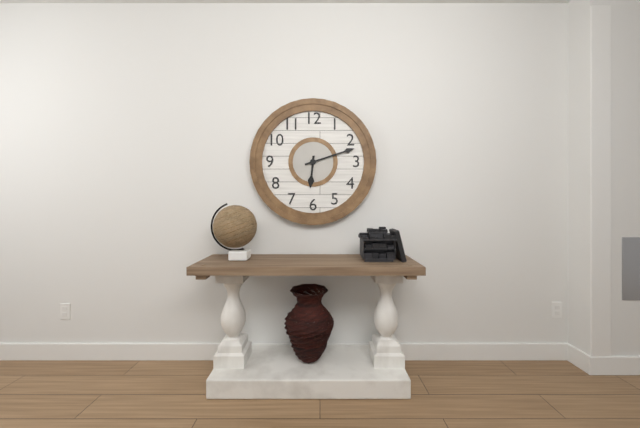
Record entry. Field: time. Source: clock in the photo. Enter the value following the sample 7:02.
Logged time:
6:12
